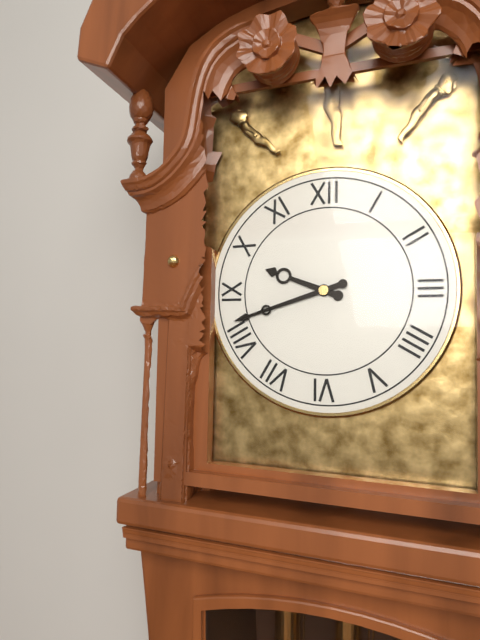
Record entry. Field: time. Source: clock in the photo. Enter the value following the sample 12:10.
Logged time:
9:42
